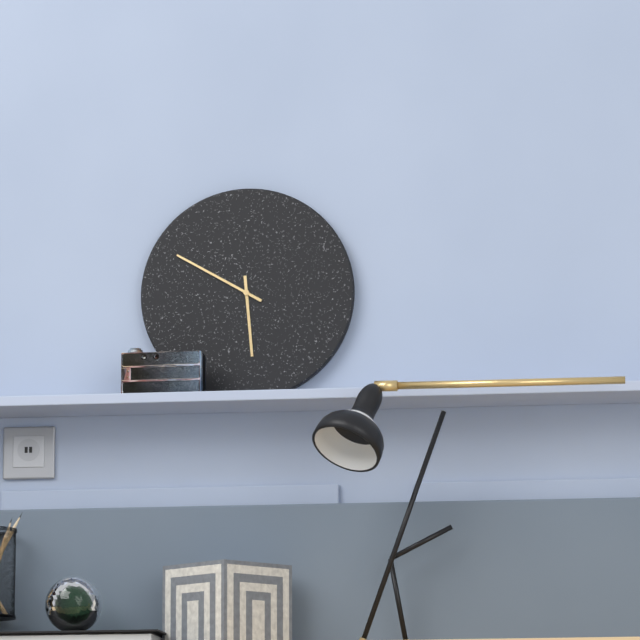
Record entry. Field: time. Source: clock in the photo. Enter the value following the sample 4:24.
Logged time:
5:50
